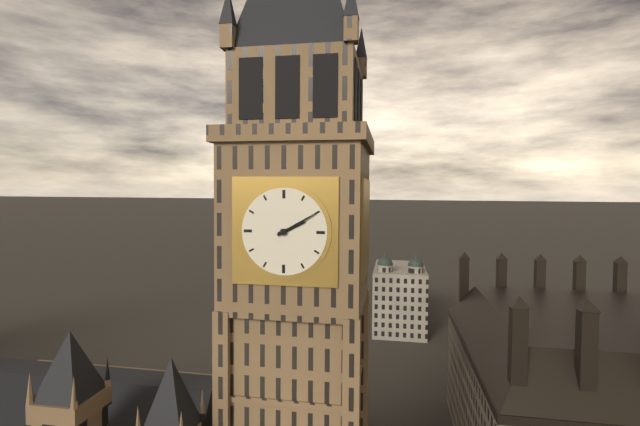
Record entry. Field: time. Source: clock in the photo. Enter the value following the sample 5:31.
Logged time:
2:10
